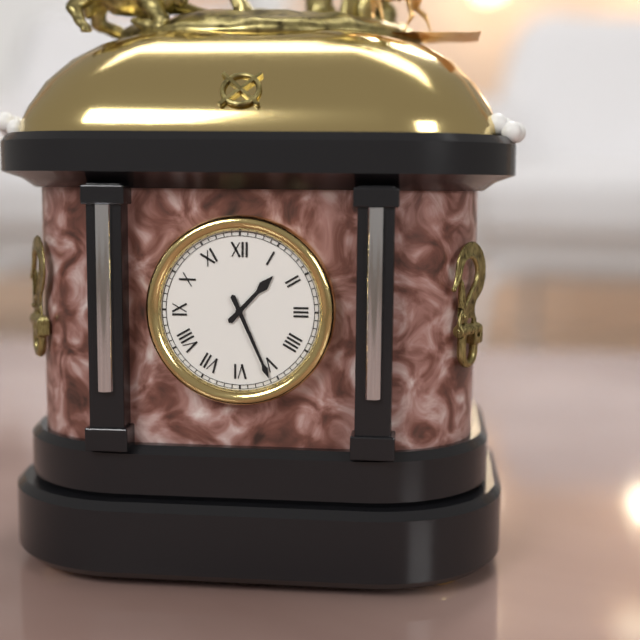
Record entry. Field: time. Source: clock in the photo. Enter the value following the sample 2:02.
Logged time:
1:26
